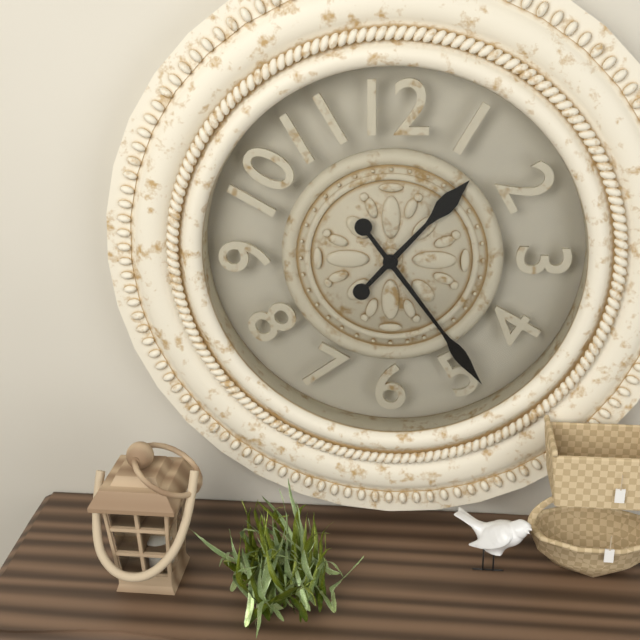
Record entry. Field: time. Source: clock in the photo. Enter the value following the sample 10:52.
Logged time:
1:24
